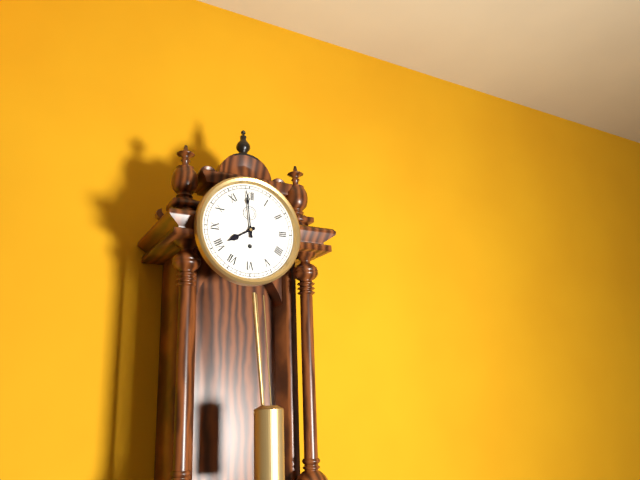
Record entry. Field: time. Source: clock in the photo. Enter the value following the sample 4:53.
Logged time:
7:59
